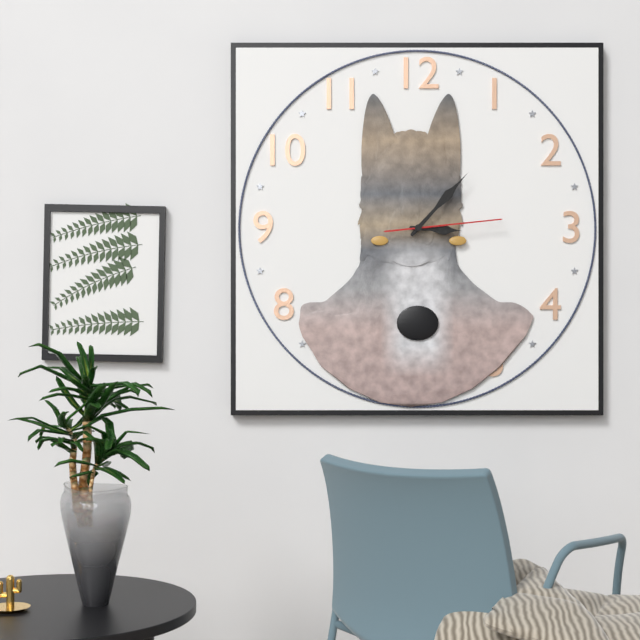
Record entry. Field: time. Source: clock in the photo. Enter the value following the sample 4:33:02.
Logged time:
3:07:14
